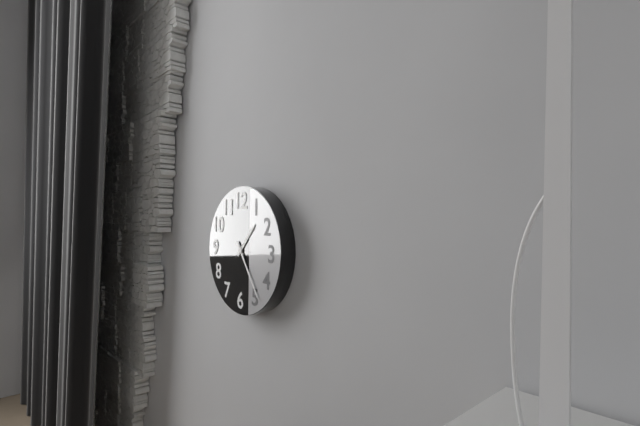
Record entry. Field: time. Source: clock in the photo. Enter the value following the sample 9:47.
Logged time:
1:24
